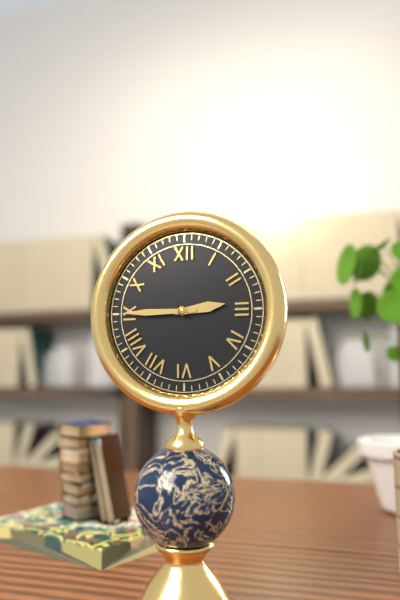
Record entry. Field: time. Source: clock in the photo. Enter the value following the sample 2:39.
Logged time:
2:45
